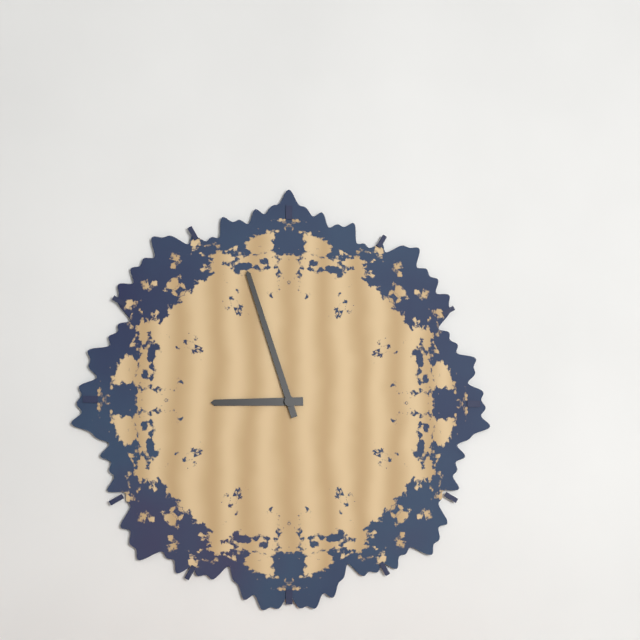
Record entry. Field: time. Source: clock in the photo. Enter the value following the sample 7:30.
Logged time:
8:57
